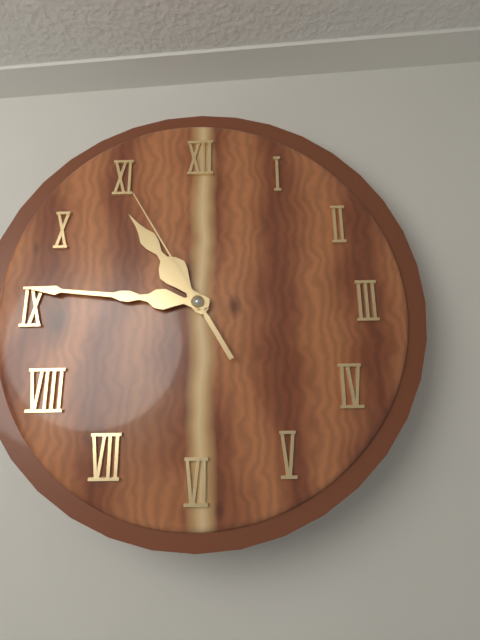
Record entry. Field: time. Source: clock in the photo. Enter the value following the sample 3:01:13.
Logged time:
10:46:55
